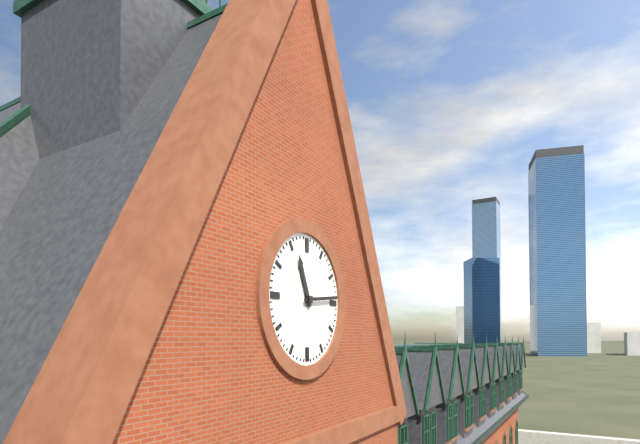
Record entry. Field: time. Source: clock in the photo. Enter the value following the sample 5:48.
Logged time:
11:14
